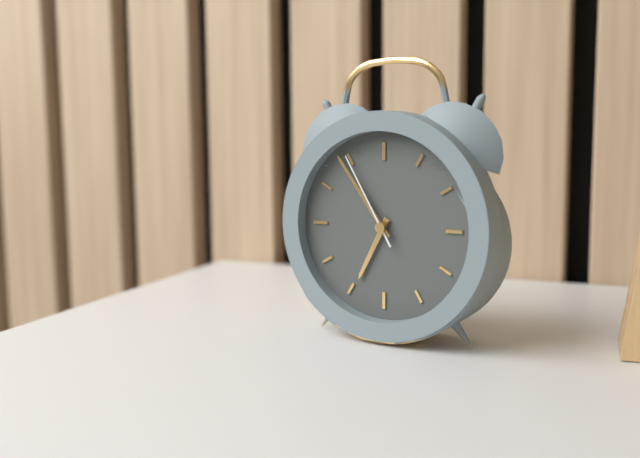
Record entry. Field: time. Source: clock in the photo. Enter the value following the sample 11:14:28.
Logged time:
6:54:55
